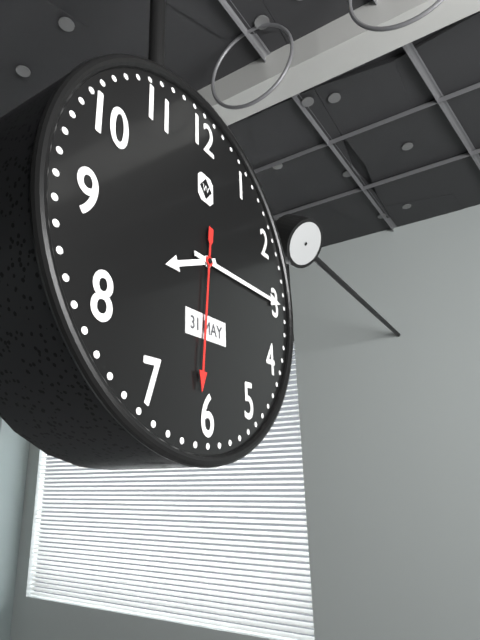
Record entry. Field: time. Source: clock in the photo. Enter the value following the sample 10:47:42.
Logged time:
8:15:31
